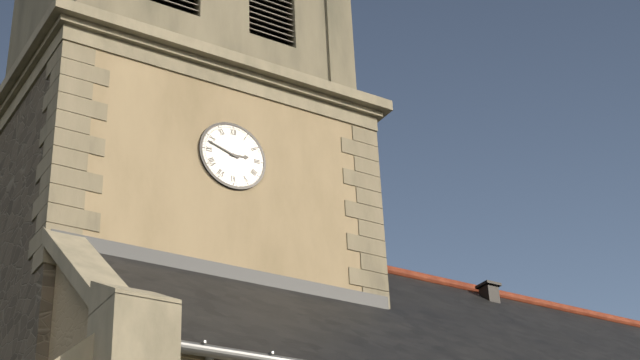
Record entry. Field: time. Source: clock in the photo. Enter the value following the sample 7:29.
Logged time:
2:48
